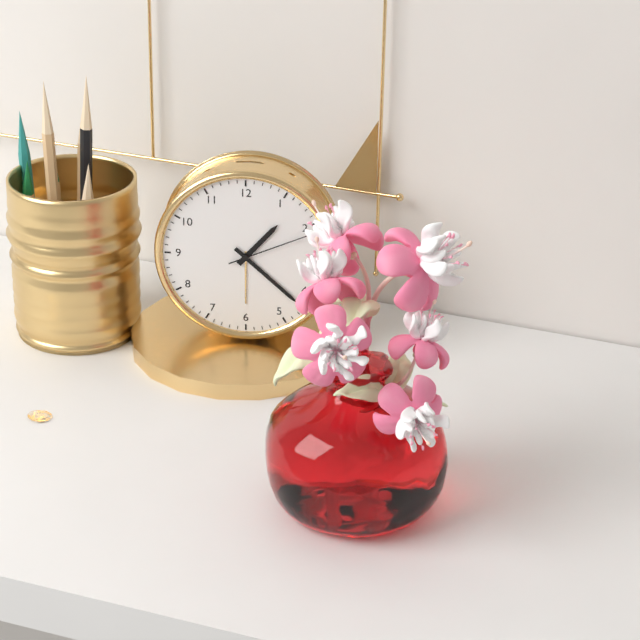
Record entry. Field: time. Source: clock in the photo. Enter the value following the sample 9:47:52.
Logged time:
1:22:11
